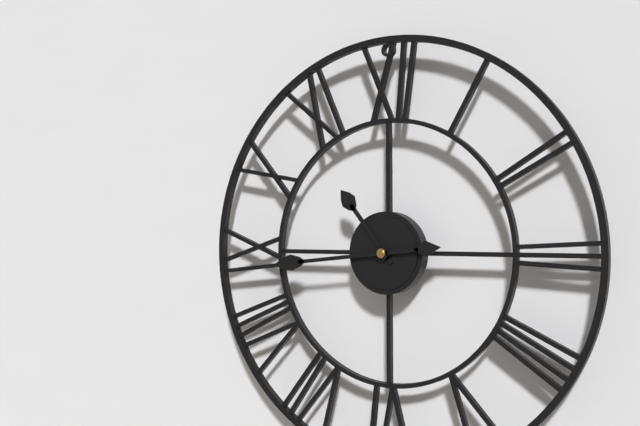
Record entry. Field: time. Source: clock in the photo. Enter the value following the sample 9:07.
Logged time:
10:44
